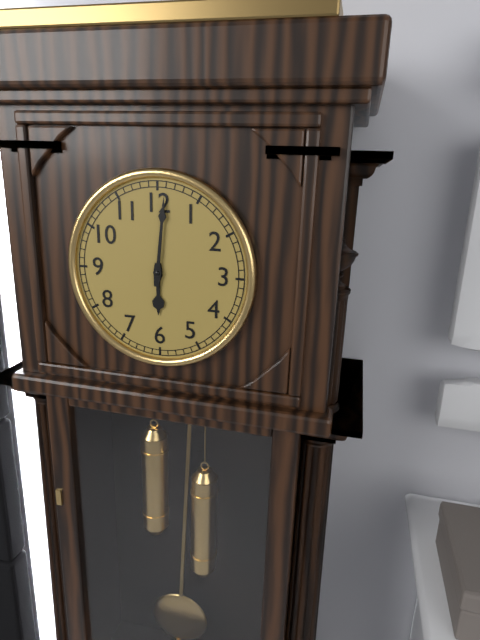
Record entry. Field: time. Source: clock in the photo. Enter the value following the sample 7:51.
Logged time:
6:01
